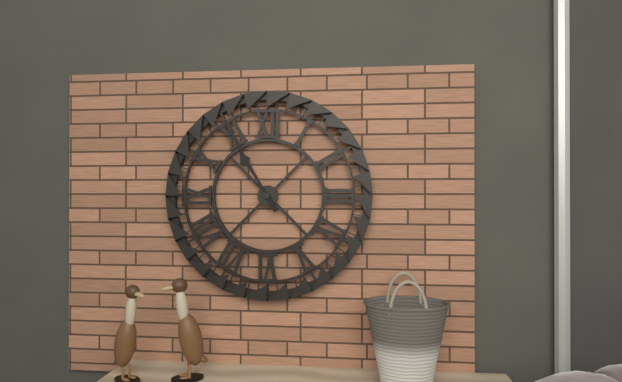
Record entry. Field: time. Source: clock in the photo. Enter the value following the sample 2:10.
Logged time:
10:55
